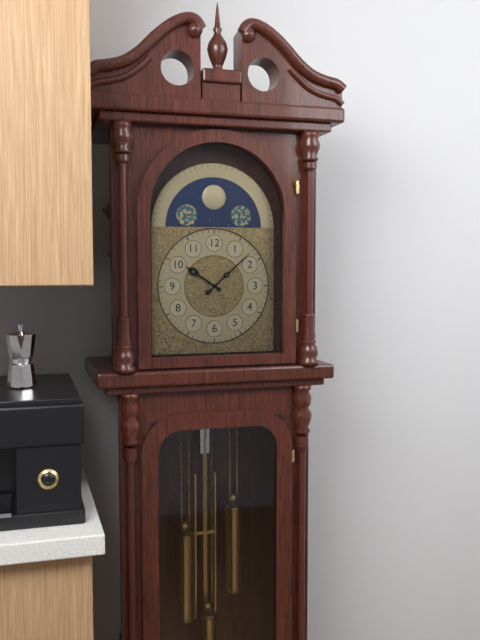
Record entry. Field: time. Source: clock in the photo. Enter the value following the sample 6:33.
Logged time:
10:08
